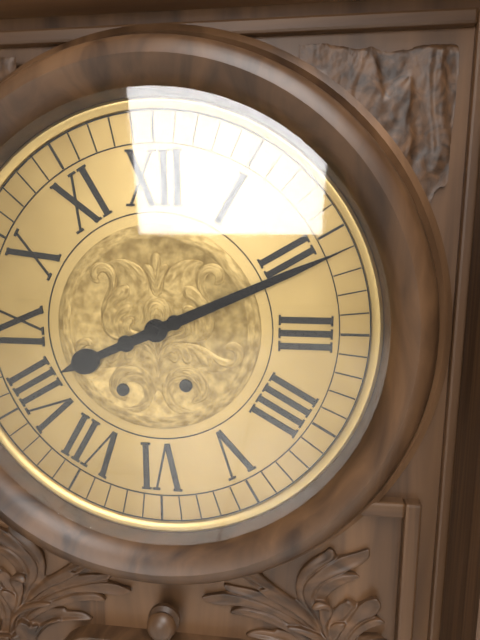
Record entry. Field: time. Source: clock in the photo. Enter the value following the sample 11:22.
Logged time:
8:11
